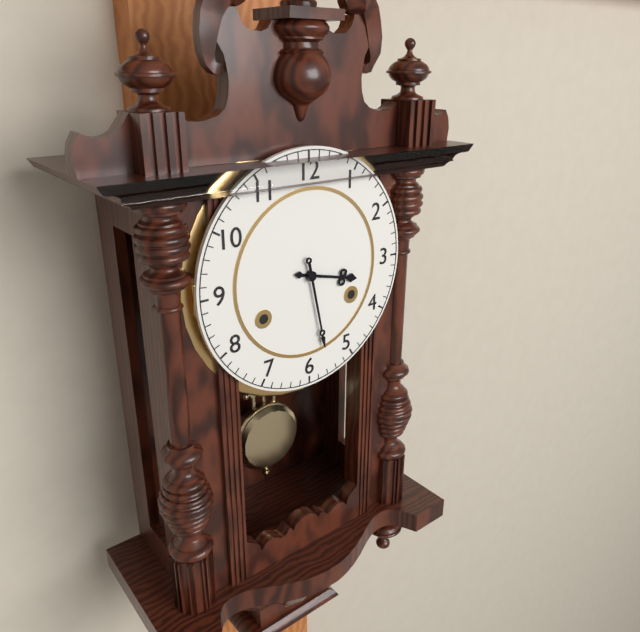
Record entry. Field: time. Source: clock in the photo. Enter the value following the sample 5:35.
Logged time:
3:28
